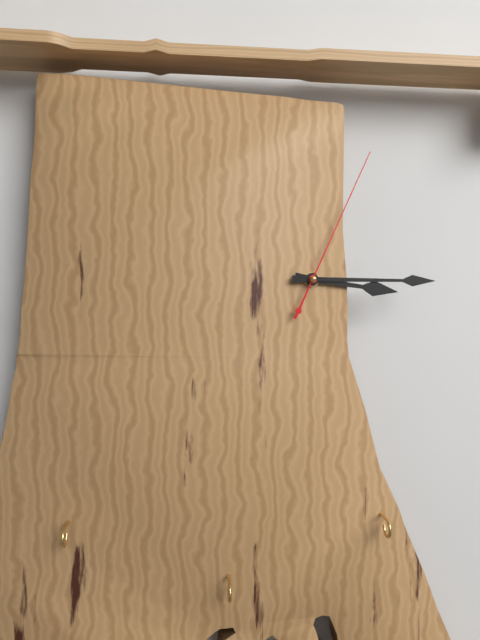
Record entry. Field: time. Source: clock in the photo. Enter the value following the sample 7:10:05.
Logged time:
3:15:04
